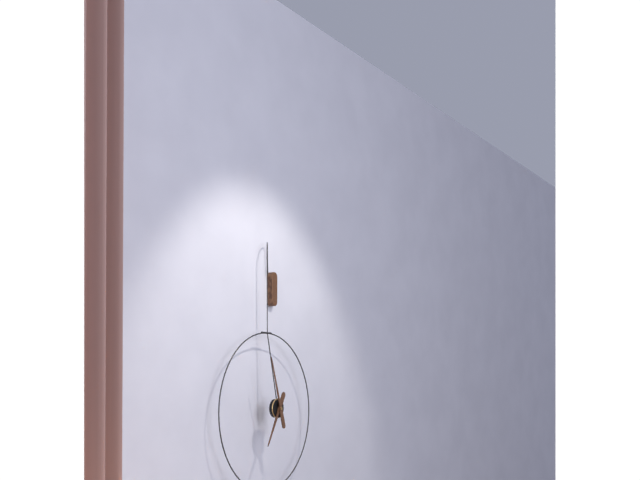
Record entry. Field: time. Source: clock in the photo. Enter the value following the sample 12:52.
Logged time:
6:57
